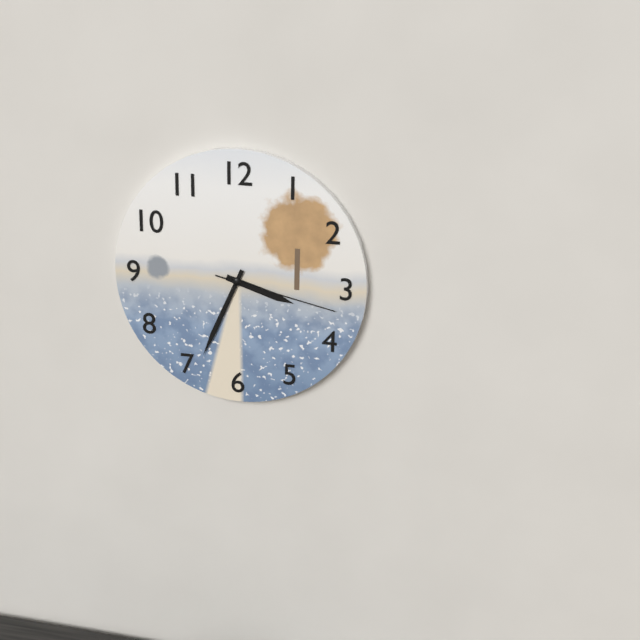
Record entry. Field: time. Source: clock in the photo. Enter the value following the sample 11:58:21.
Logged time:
3:34:17
